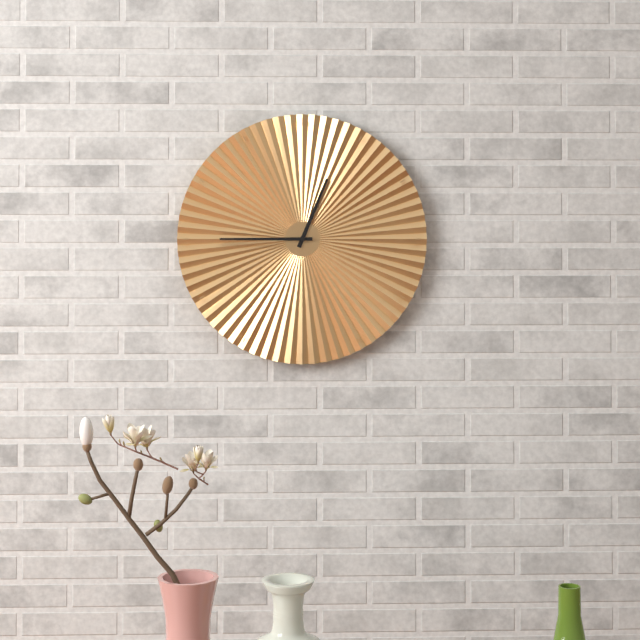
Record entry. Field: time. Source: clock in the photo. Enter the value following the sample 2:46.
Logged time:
12:45
